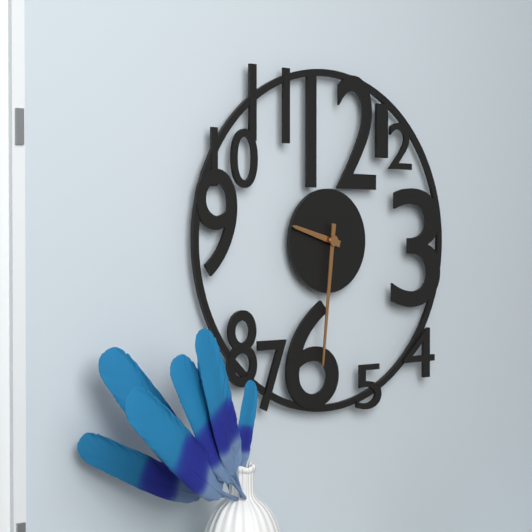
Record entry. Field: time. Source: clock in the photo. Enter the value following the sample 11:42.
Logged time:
9:31
